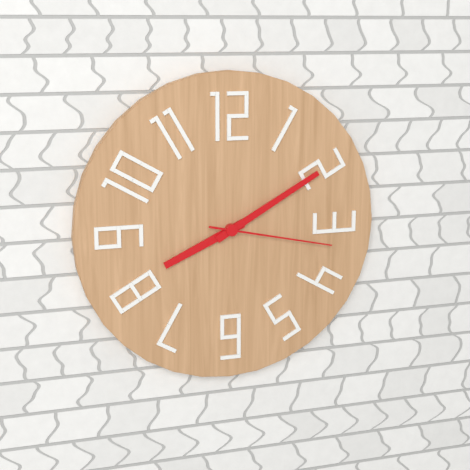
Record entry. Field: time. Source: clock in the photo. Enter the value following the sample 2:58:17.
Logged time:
8:10:17
